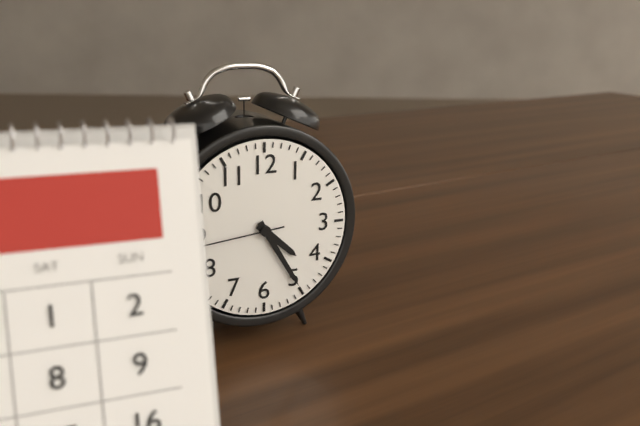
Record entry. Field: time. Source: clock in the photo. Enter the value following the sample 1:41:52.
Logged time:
4:25:44
